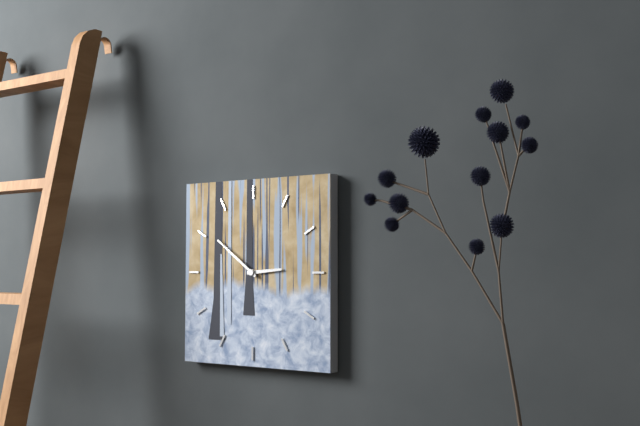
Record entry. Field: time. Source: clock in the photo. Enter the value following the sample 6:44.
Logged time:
2:51
